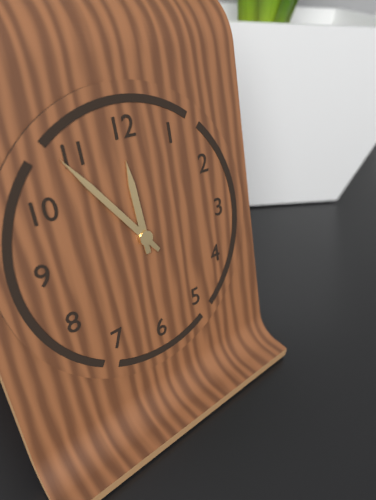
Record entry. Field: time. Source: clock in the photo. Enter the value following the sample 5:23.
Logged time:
11:54
